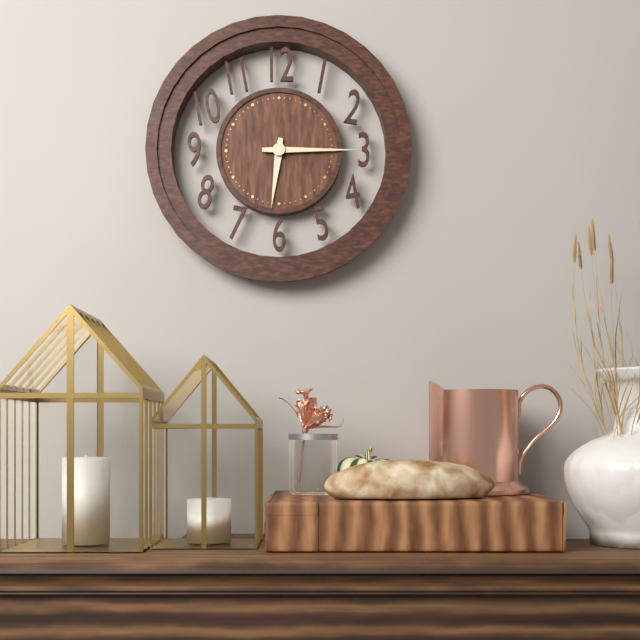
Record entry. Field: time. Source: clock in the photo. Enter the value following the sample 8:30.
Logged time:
6:15
